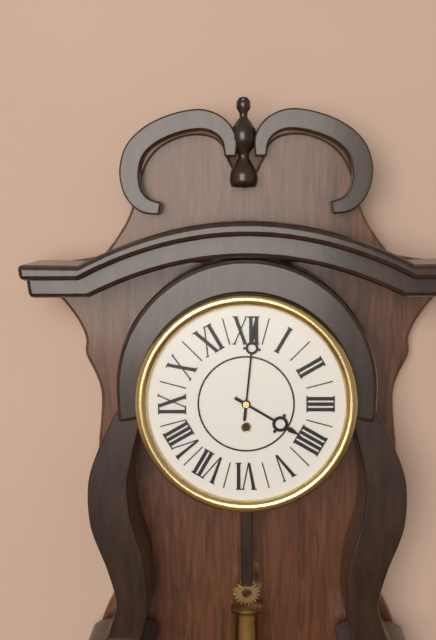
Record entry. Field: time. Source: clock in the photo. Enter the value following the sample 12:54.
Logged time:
4:01
